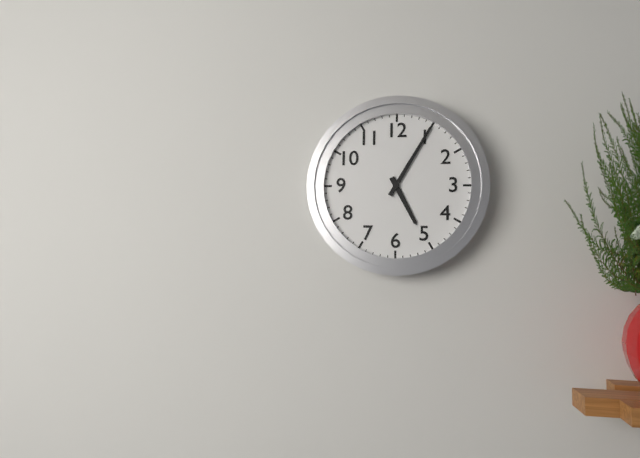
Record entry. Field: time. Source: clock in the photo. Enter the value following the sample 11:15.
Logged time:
5:05
